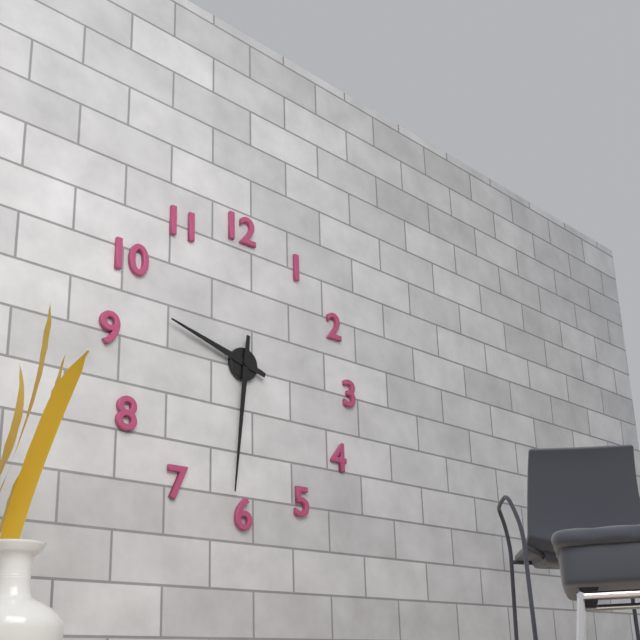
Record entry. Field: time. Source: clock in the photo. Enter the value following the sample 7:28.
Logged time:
9:31
